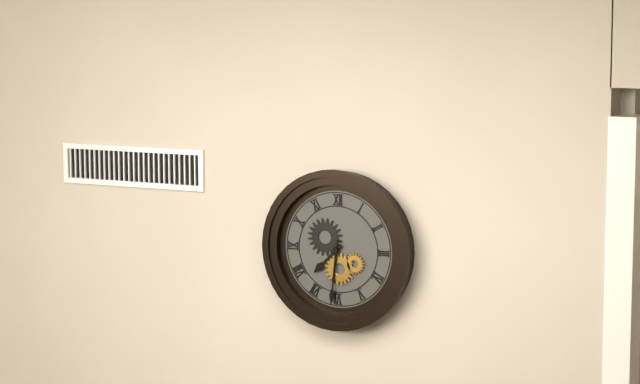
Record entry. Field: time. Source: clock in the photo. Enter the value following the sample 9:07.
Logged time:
7:31
